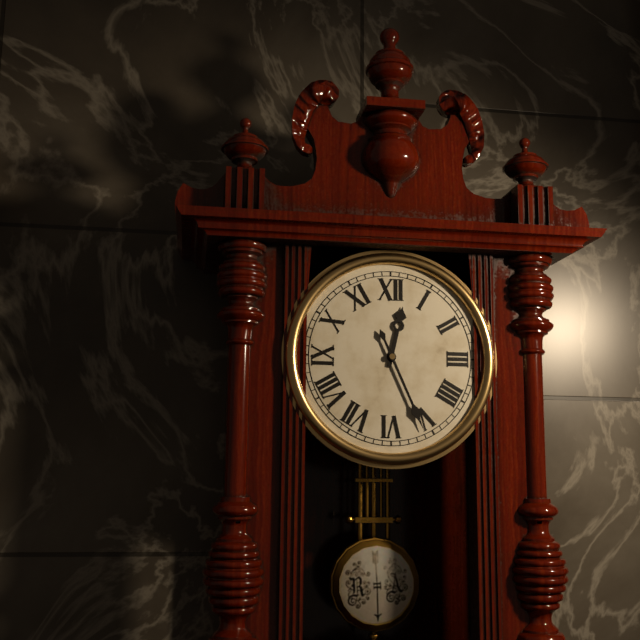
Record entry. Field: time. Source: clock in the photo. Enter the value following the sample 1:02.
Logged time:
12:26
